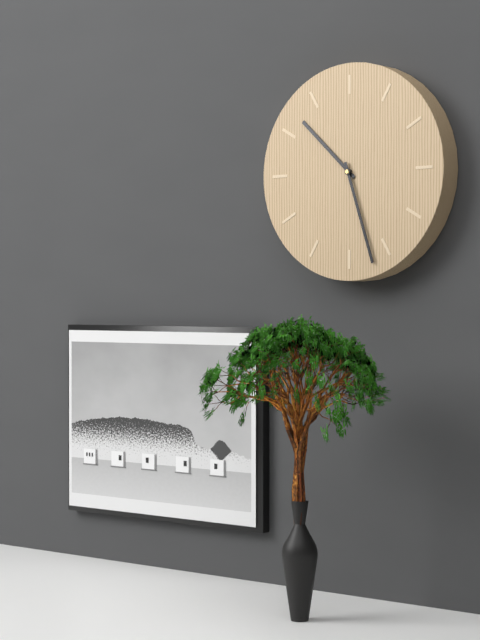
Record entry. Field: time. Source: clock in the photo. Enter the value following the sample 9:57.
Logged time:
10:27
